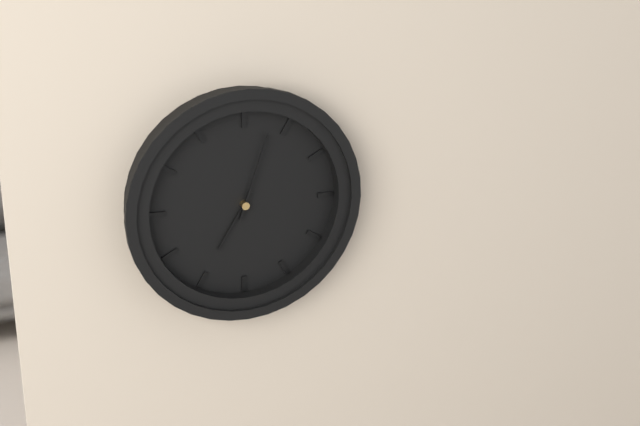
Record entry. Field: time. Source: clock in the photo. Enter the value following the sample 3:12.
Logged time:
7:03
